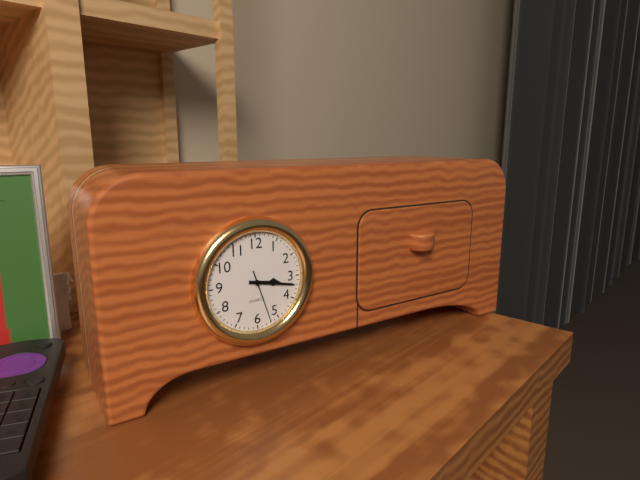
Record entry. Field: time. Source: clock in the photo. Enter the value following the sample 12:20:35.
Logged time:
3:17:27
